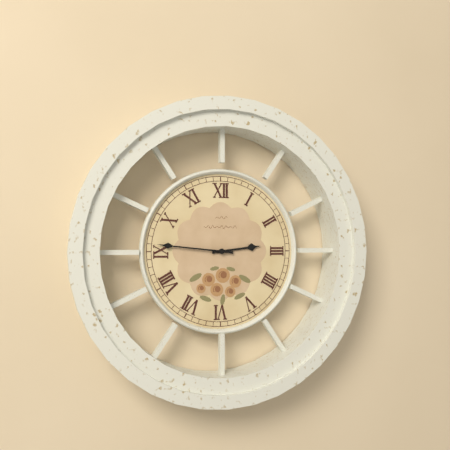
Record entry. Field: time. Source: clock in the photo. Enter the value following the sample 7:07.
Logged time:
2:46
